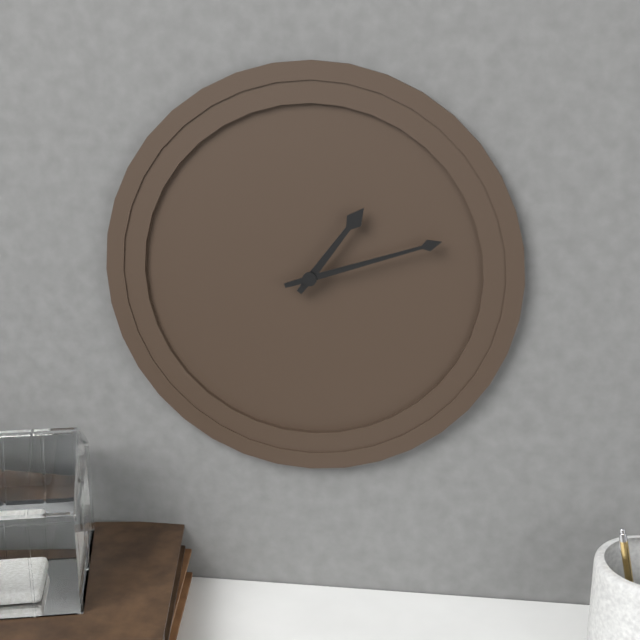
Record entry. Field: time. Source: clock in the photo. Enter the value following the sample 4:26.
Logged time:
1:12
